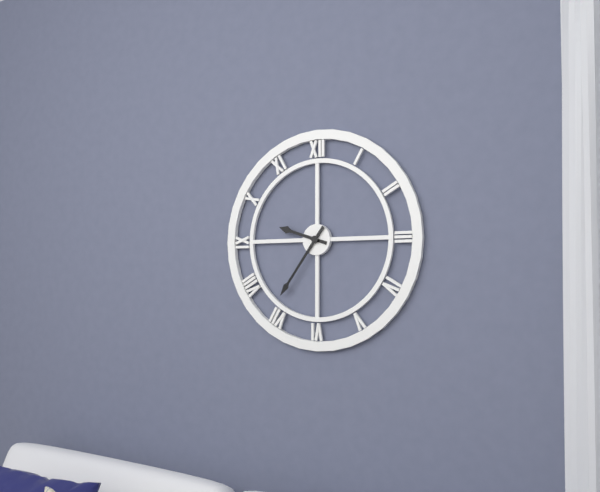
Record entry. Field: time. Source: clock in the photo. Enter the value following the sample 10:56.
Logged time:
9:36
